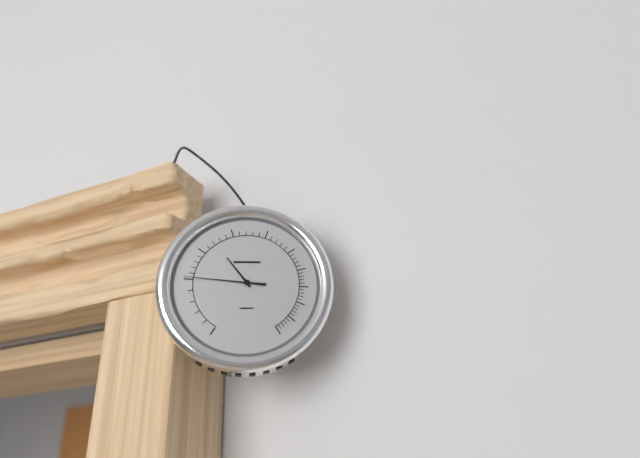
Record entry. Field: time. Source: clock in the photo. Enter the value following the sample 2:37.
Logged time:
10:46
